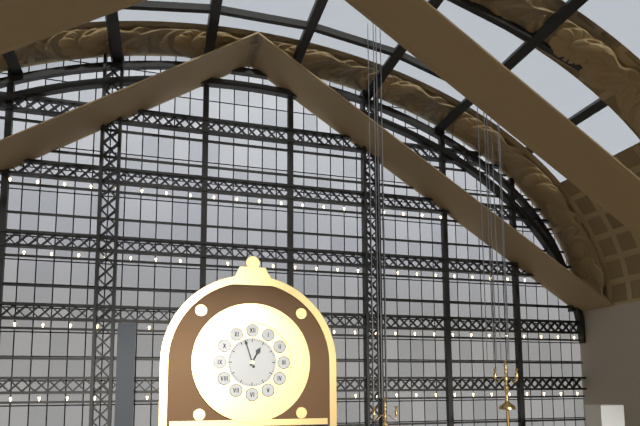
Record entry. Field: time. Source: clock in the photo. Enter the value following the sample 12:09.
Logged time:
12:57
